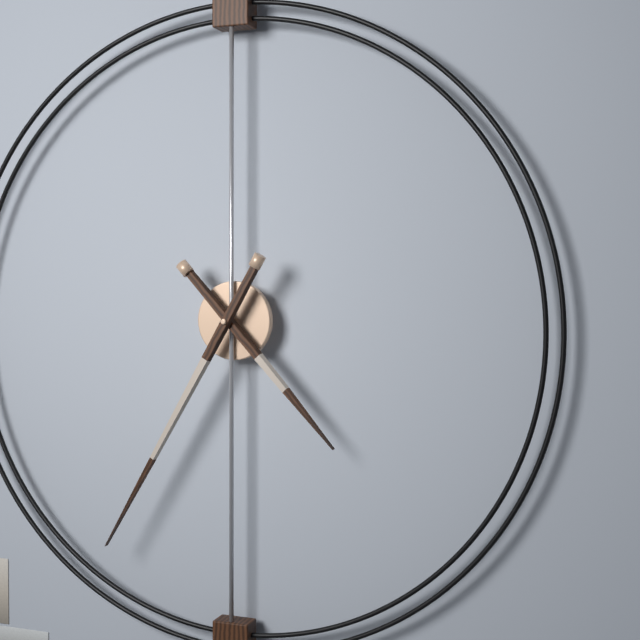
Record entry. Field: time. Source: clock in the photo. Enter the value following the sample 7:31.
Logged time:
4:35
